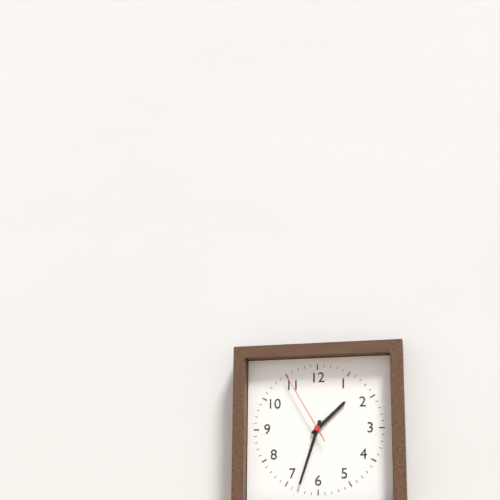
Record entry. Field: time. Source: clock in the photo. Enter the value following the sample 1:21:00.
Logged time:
1:33:55
